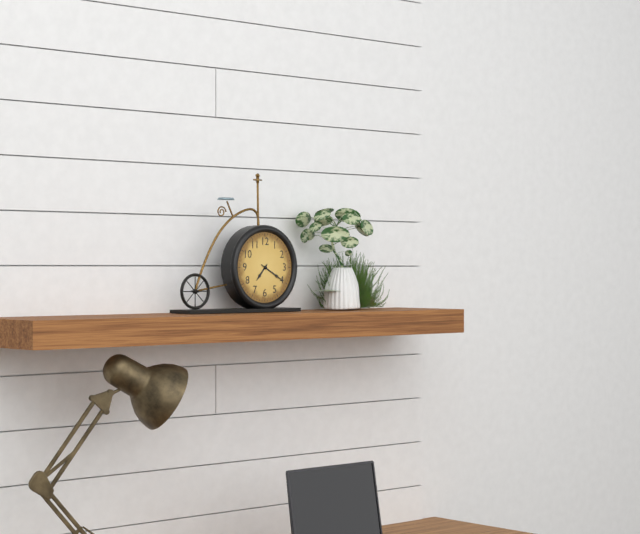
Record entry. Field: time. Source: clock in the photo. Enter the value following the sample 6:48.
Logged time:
7:20
